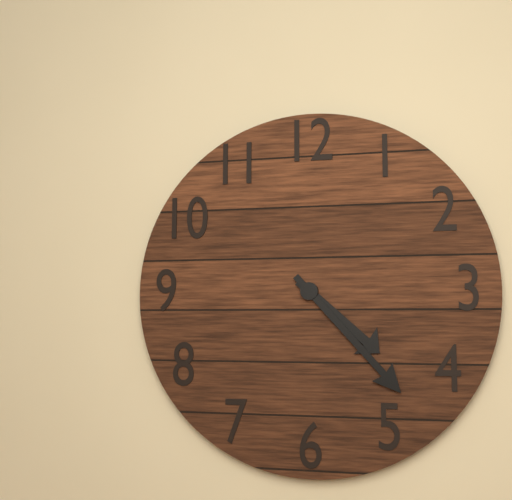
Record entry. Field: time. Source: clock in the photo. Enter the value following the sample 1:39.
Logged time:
4:23
